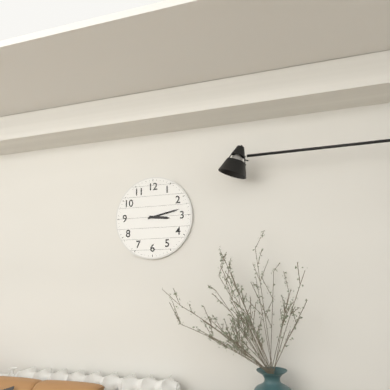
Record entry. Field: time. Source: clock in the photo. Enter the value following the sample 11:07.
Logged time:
3:13
